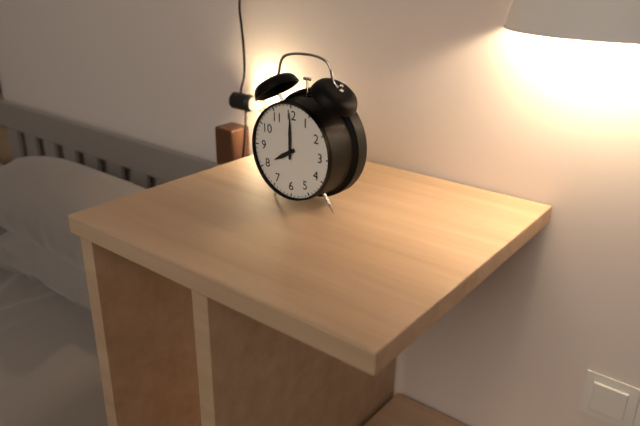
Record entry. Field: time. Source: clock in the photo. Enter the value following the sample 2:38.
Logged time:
8:00
